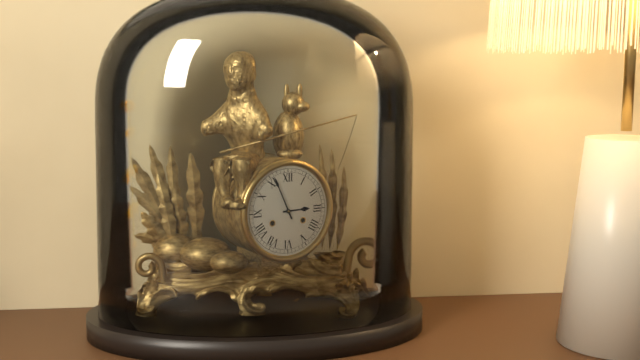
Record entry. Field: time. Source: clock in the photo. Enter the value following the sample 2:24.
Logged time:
2:56
